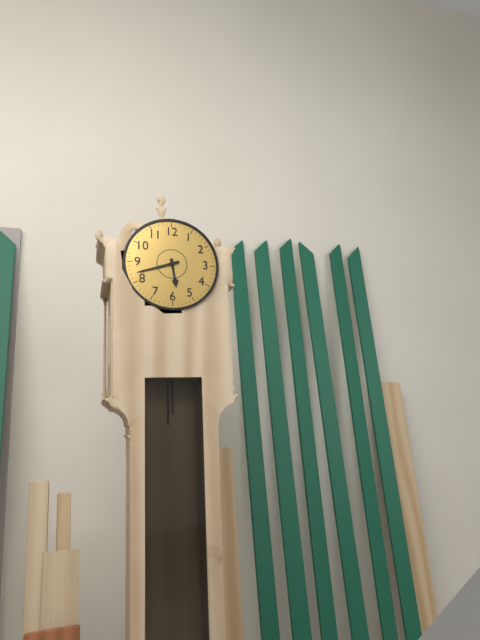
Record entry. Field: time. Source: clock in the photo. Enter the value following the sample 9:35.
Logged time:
5:42
